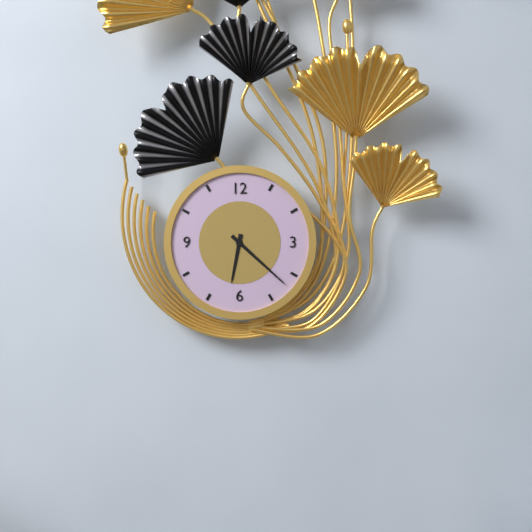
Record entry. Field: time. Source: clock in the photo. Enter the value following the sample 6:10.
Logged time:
6:22
